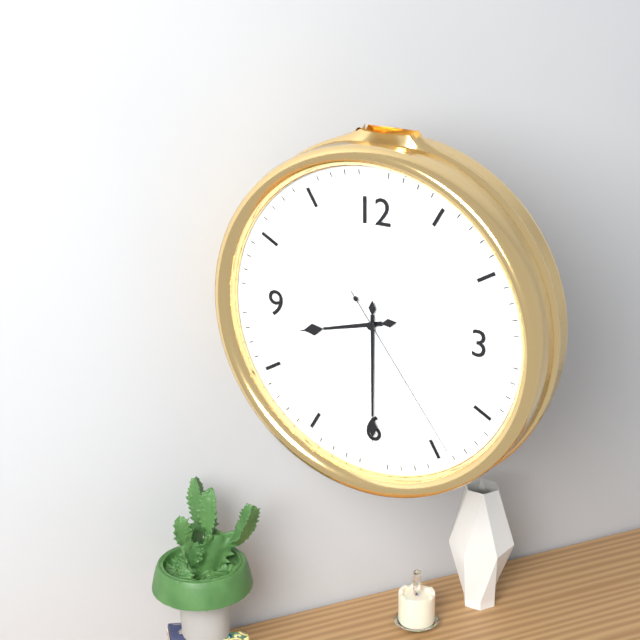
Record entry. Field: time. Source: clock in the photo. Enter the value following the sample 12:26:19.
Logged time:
8:30:24
